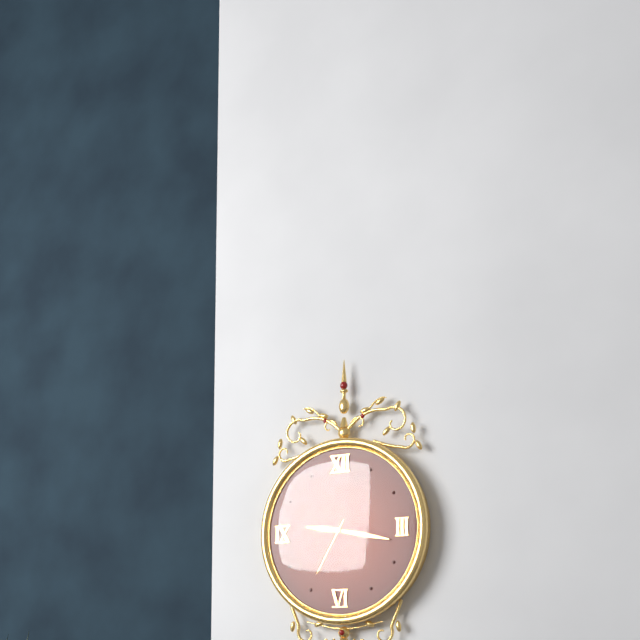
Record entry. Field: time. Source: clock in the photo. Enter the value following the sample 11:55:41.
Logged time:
9:17:35
